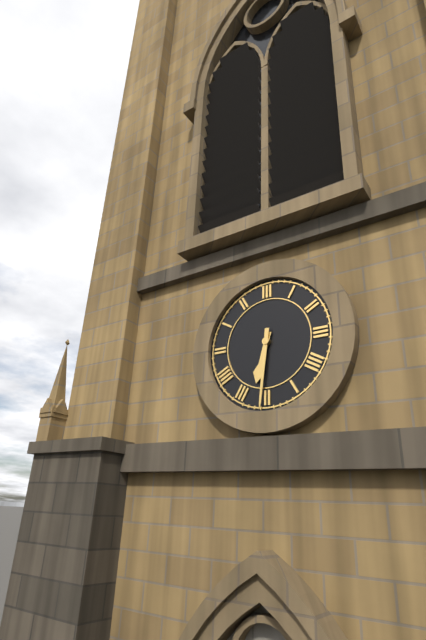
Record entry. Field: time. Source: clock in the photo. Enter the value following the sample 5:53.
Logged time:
6:31
